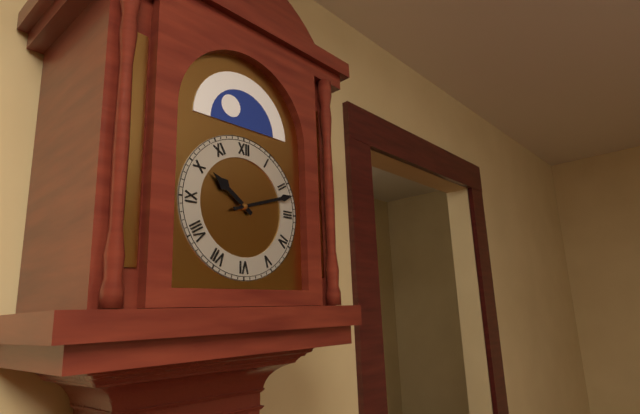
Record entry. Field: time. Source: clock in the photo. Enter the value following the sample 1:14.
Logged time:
10:12
